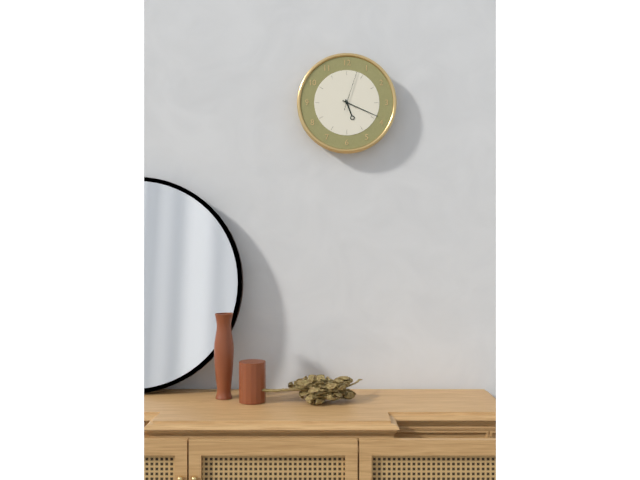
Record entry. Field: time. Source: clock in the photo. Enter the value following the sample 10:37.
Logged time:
5:19
